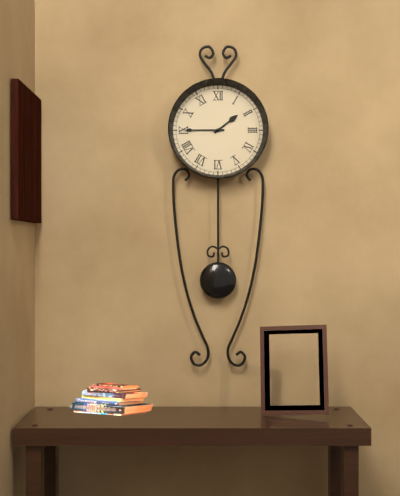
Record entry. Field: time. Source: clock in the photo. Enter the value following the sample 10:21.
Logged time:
1:45
